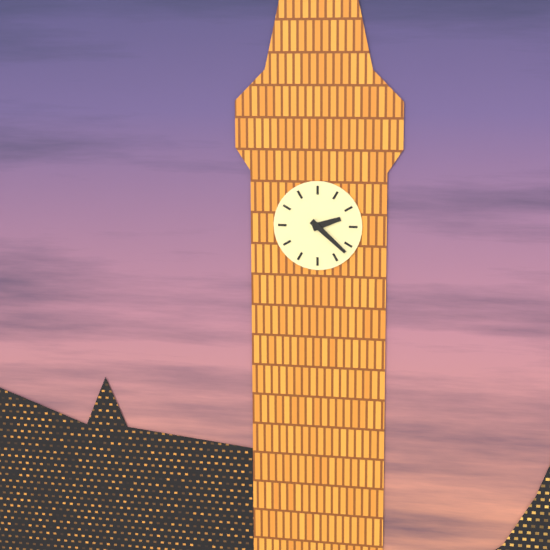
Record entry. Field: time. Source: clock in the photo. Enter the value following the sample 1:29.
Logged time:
2:22
